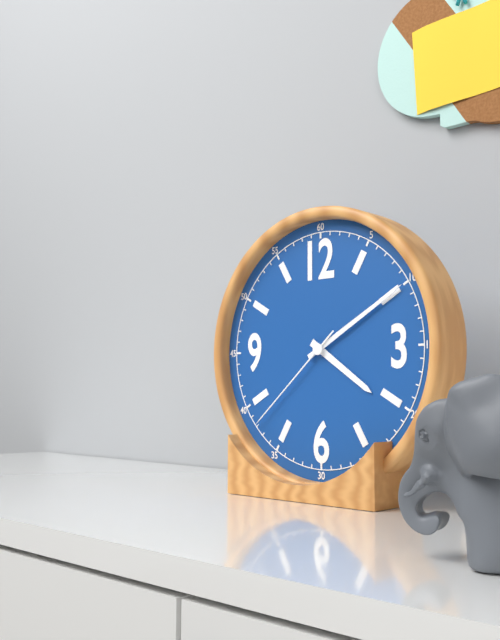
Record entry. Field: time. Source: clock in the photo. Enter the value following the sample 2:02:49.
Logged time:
4:10:38
